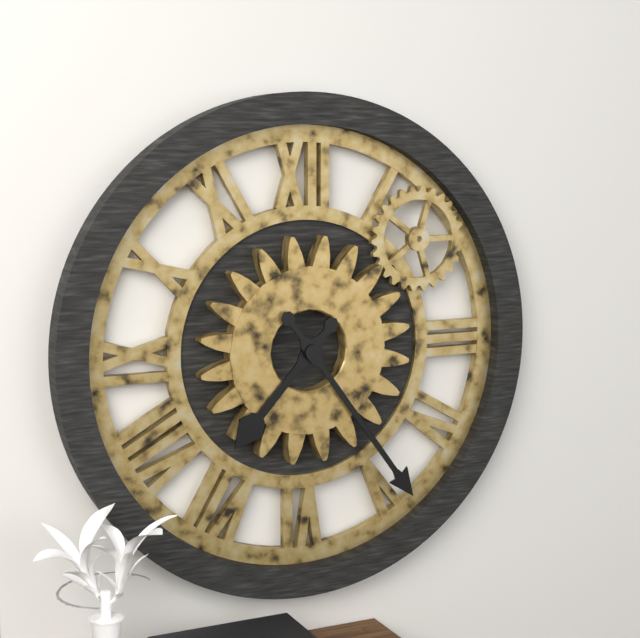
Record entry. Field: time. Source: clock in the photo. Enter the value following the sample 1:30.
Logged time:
7:24
